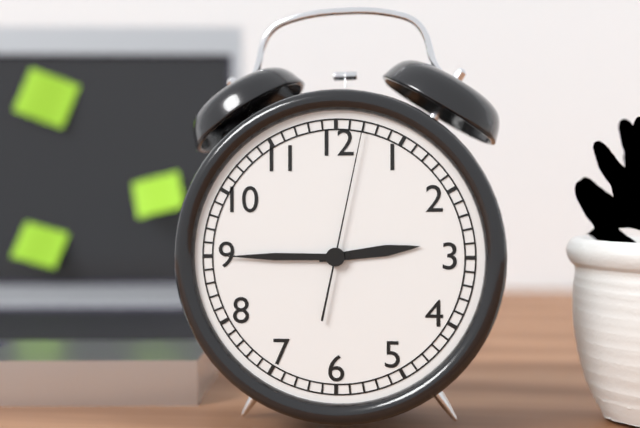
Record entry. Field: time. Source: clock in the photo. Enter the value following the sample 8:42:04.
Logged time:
2:45:02
